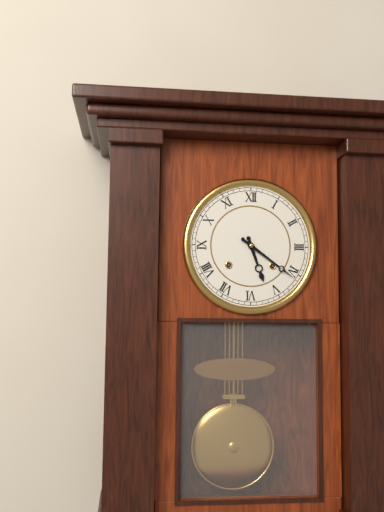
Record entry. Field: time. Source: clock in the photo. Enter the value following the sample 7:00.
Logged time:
5:21
